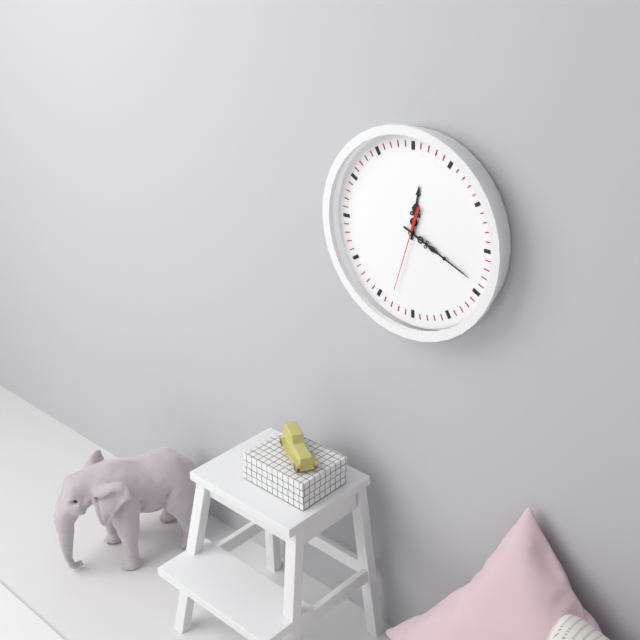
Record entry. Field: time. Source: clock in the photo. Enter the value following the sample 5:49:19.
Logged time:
12:19:33
